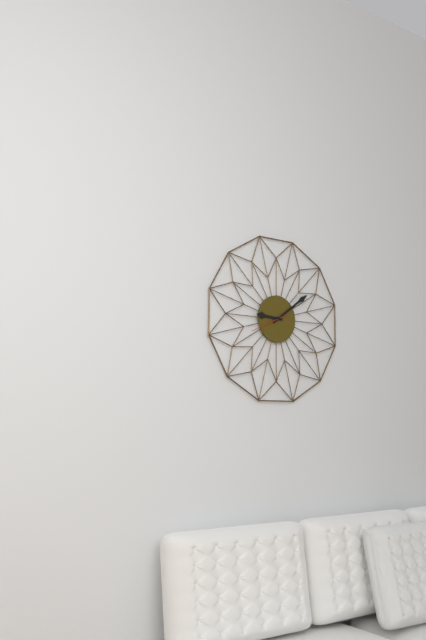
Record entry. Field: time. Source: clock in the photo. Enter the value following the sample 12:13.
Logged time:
9:09
